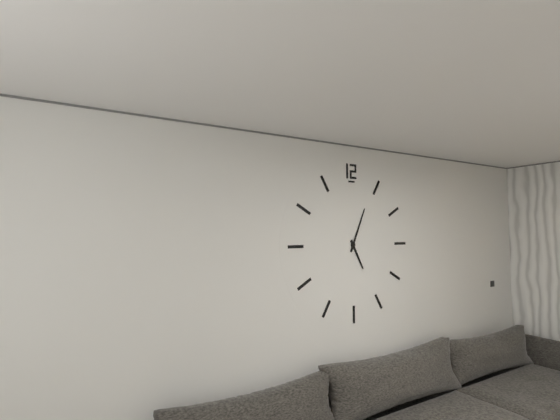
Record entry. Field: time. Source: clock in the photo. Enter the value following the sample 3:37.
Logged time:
5:04
